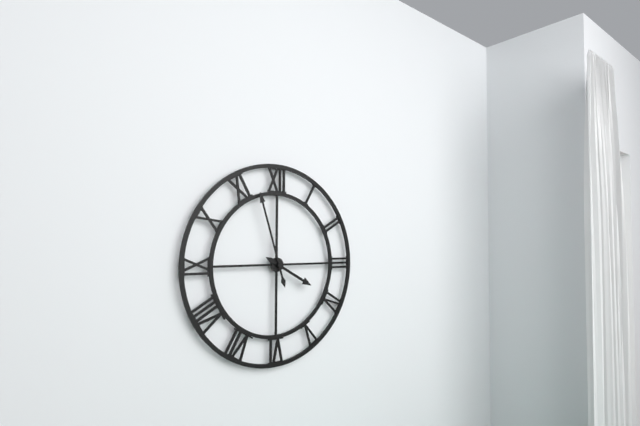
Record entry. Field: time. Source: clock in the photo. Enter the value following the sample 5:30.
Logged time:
3:57
